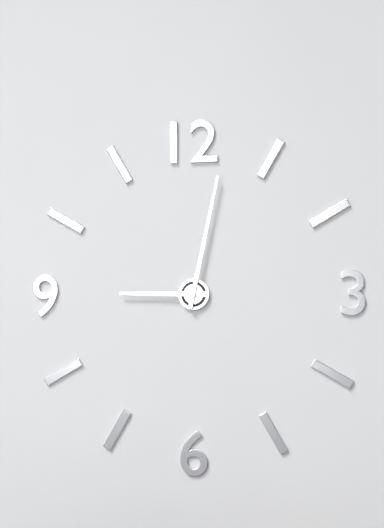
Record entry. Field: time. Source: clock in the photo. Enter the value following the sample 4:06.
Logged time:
9:02
